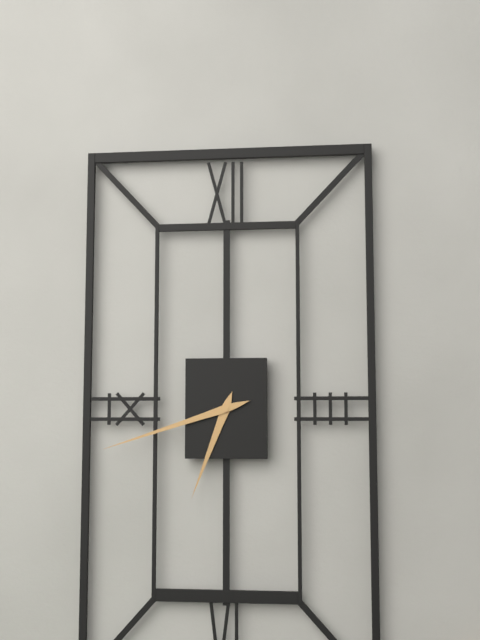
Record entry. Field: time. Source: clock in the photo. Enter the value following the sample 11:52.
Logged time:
6:42
